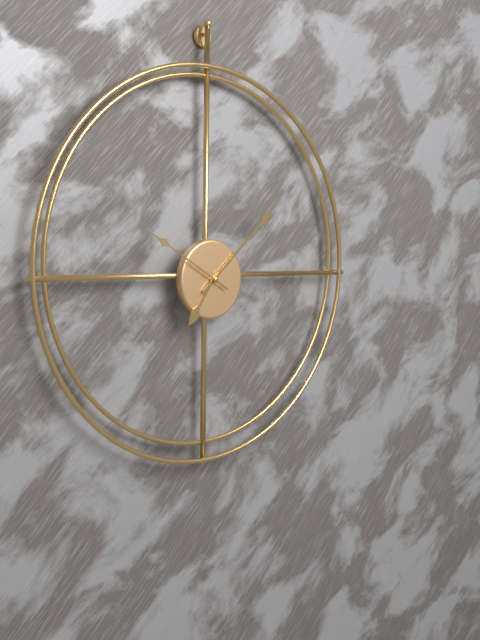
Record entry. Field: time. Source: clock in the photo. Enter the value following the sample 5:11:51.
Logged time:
7:08:50
